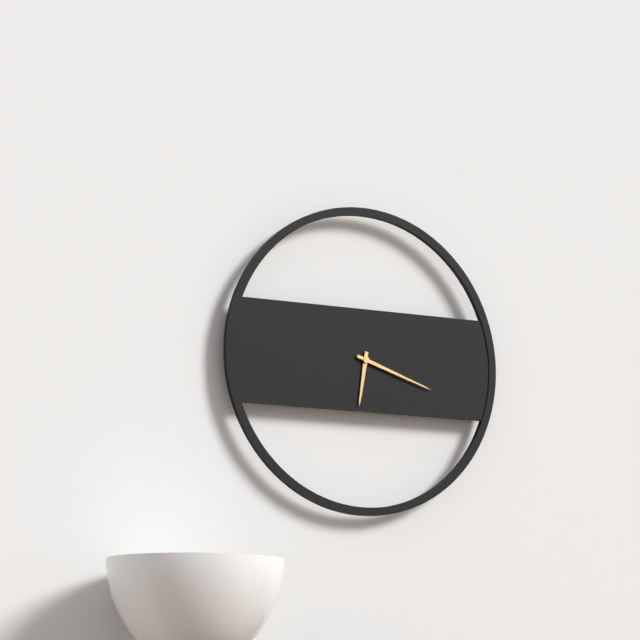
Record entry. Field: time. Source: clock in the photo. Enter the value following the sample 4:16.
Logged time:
6:18
